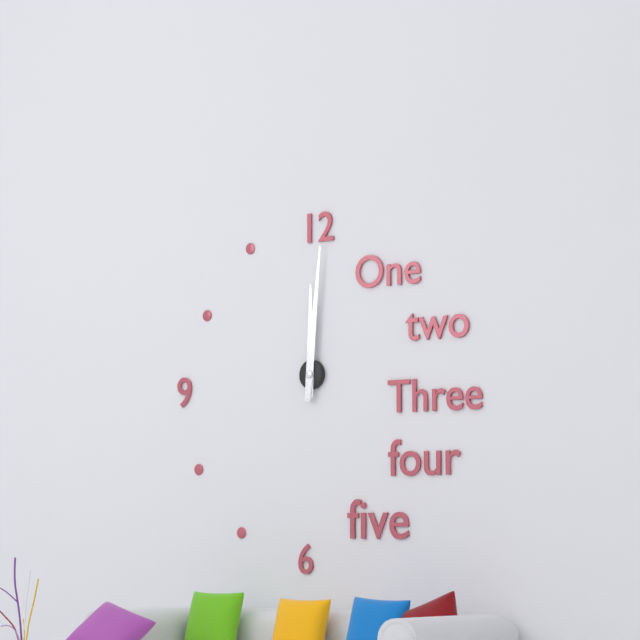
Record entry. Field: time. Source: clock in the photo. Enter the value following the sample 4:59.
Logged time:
12:01
